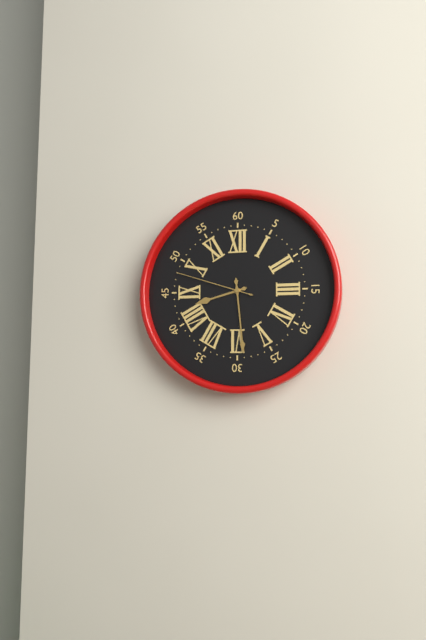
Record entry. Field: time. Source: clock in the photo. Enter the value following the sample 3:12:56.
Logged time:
8:29:48
